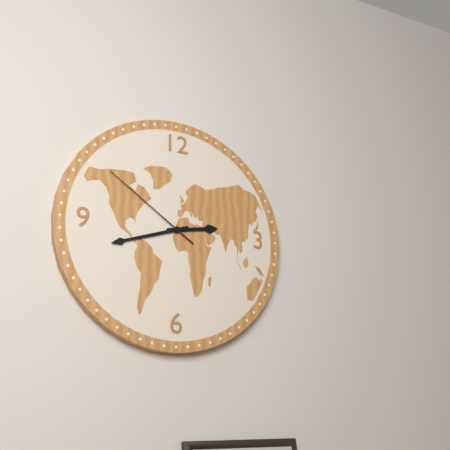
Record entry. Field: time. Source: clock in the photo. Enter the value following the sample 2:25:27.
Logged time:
2:42:51
